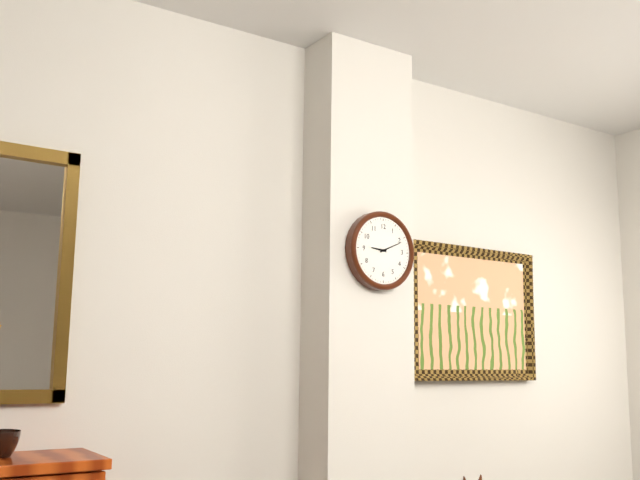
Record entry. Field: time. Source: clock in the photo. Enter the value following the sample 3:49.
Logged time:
9:11
